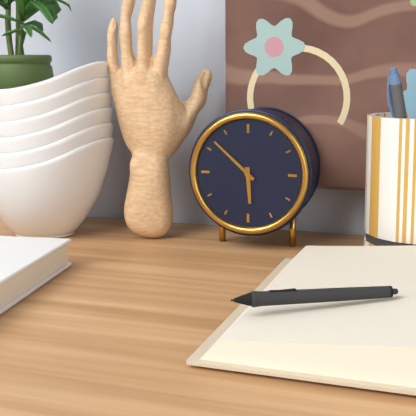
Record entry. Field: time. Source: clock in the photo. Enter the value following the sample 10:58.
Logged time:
5:52
